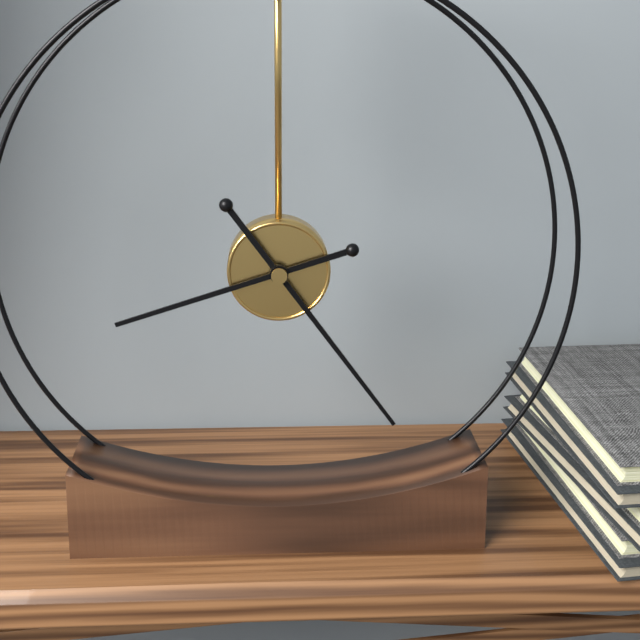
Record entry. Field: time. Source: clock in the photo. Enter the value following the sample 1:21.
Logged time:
8:24
